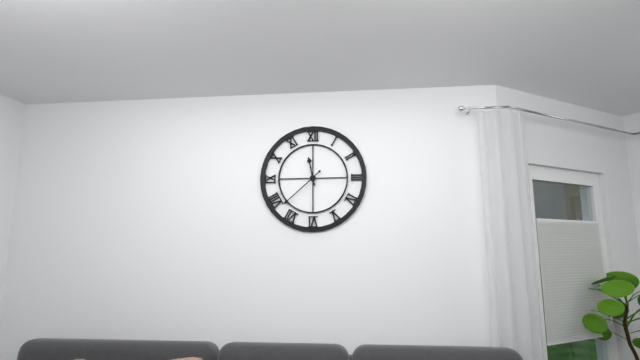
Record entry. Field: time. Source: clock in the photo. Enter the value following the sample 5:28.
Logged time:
11:38
